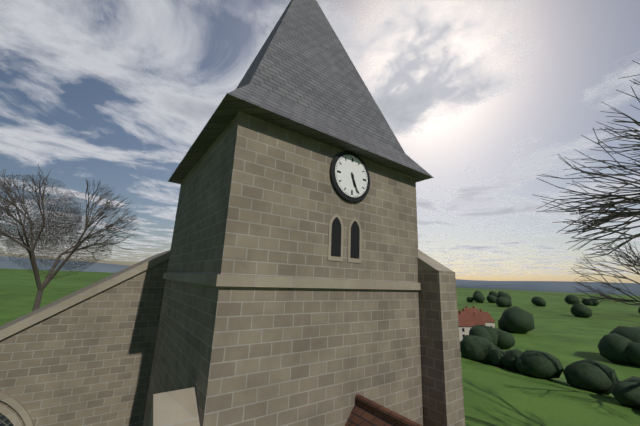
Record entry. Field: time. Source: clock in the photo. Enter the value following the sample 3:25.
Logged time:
5:26
